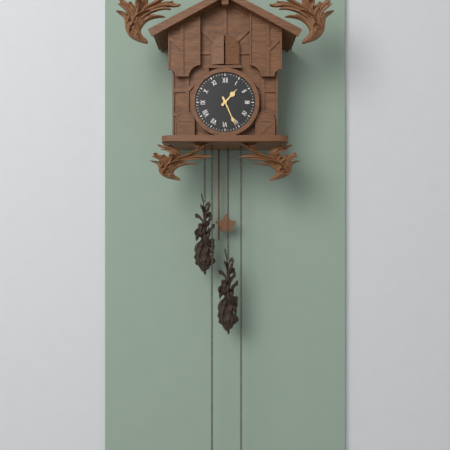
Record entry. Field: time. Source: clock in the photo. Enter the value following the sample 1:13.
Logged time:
1:26
